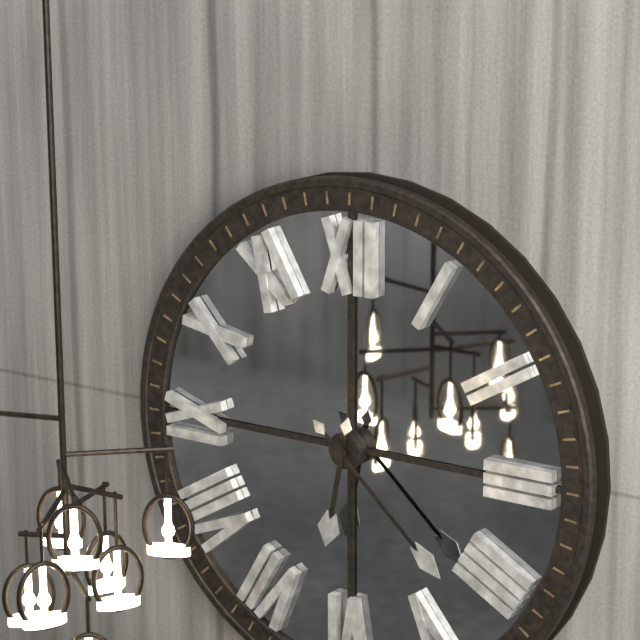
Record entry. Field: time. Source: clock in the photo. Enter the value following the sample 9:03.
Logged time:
6:22
